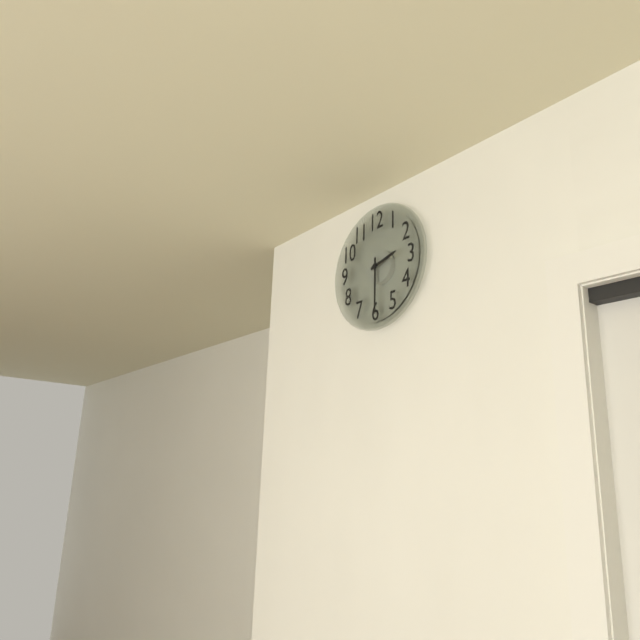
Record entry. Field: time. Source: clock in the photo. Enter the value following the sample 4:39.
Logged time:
2:30
